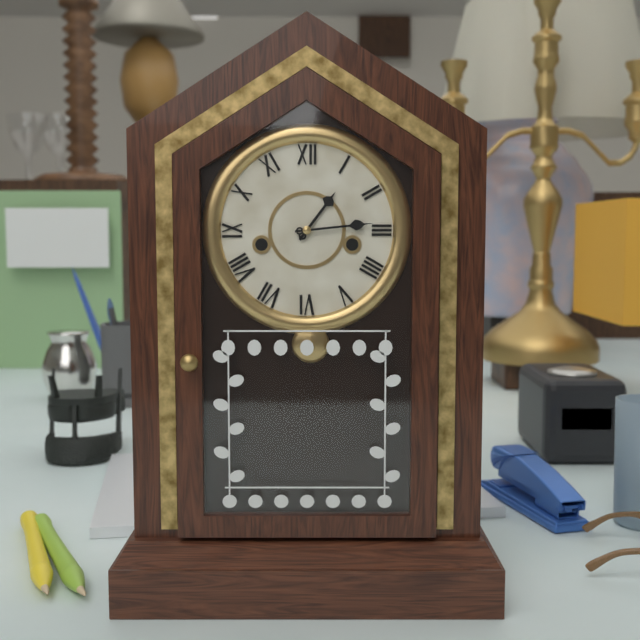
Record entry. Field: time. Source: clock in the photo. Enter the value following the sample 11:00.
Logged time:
1:14
